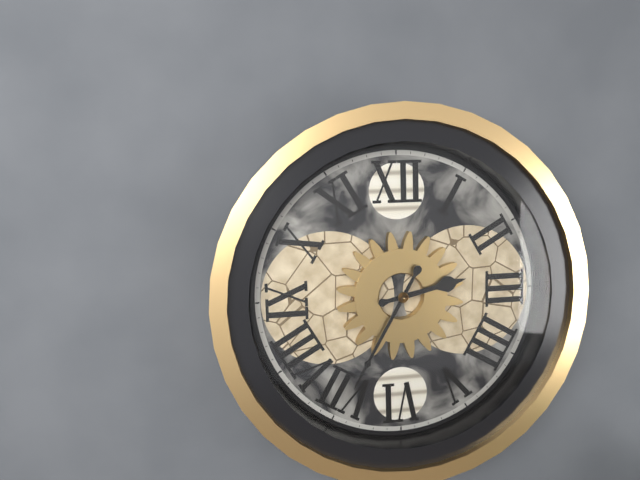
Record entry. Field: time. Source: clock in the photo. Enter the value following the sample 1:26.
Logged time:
2:35
